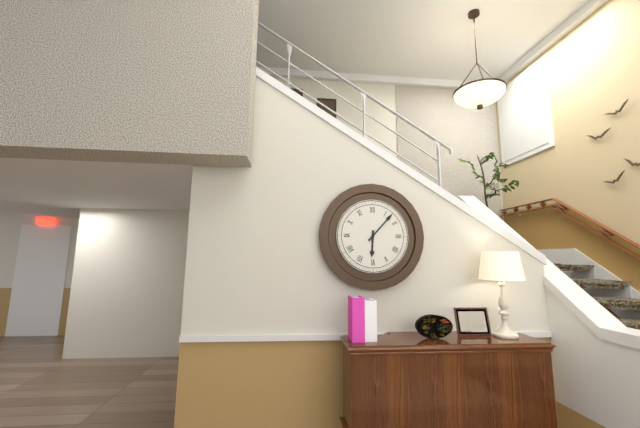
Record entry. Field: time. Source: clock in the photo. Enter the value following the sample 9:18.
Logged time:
6:07
